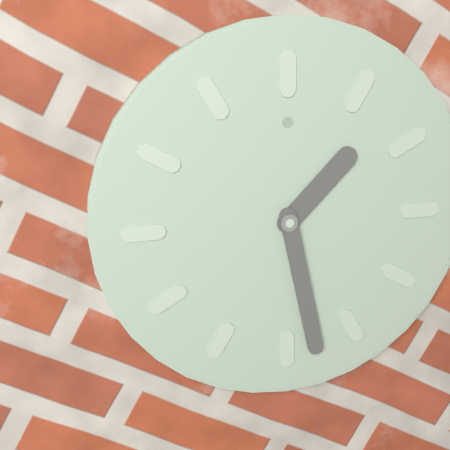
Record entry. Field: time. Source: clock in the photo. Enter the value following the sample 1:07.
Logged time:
1:28
